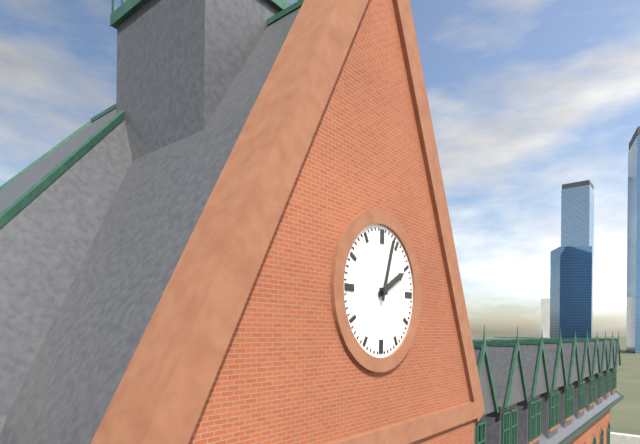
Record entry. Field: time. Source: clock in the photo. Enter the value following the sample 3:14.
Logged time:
2:03
